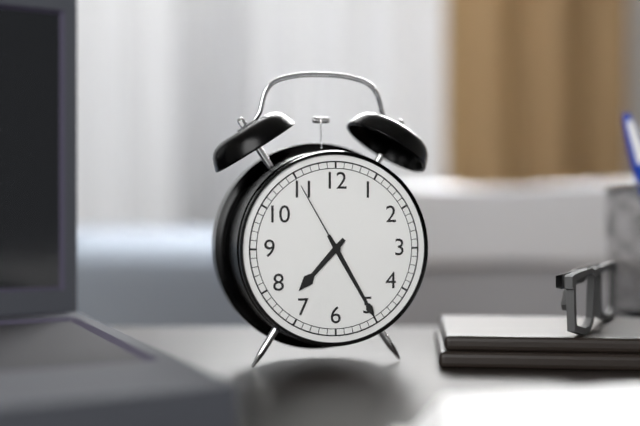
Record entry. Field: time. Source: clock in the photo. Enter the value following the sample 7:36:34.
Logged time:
7:25:55
